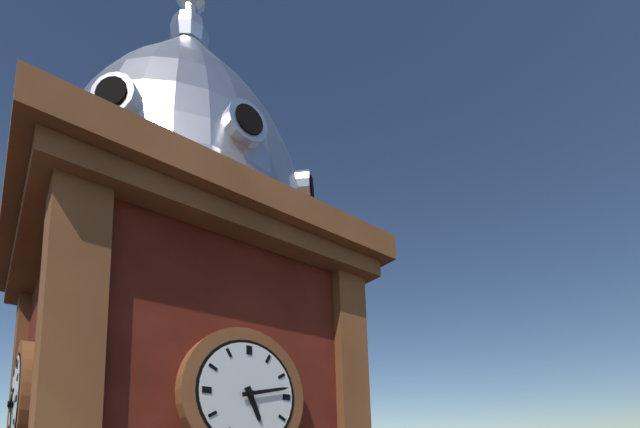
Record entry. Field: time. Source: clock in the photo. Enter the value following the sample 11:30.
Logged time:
5:13
